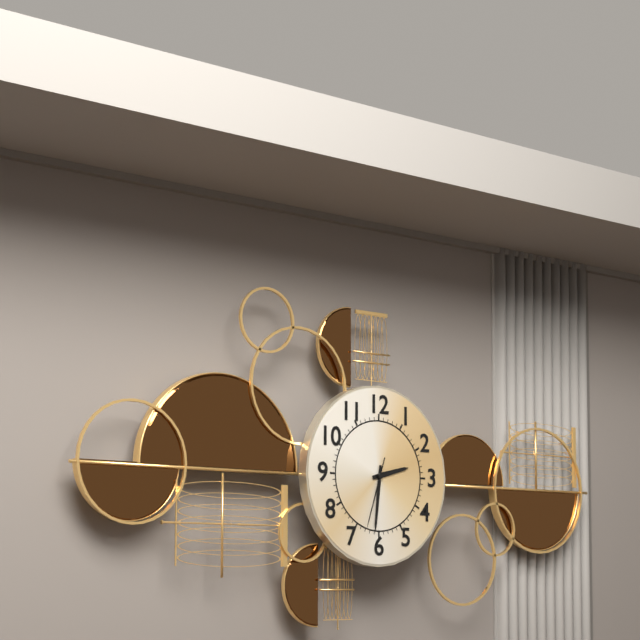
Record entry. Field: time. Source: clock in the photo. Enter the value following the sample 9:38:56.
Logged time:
2:31:33
